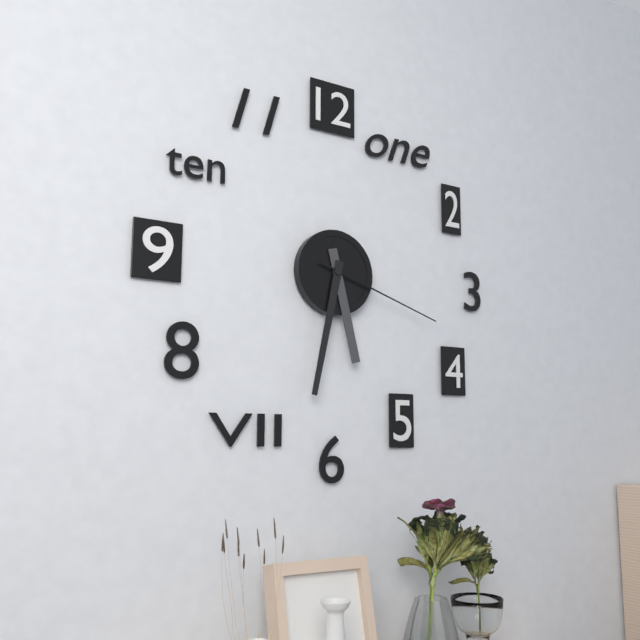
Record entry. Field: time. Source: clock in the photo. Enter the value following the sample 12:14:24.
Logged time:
5:32:18
